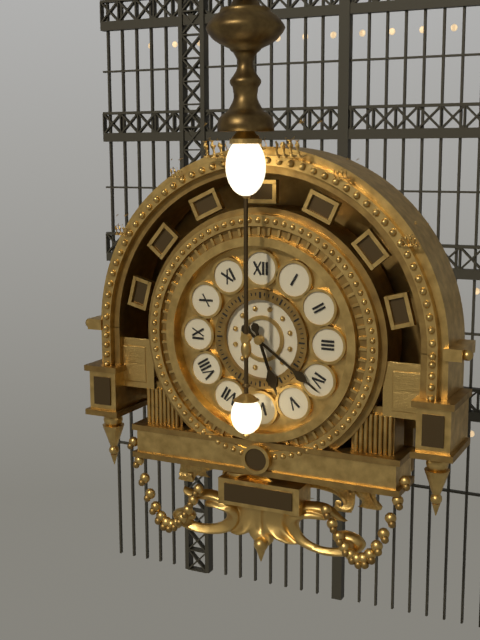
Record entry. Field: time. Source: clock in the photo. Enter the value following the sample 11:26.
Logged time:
5:21
